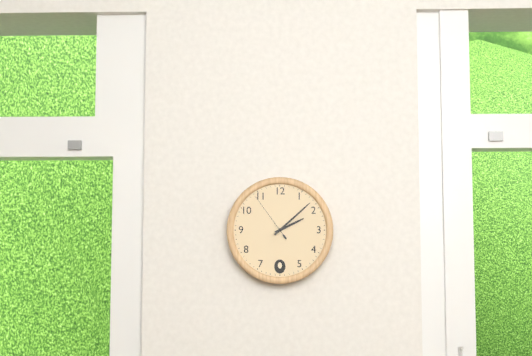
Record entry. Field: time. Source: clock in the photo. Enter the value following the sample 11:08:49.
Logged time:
2:08:54
